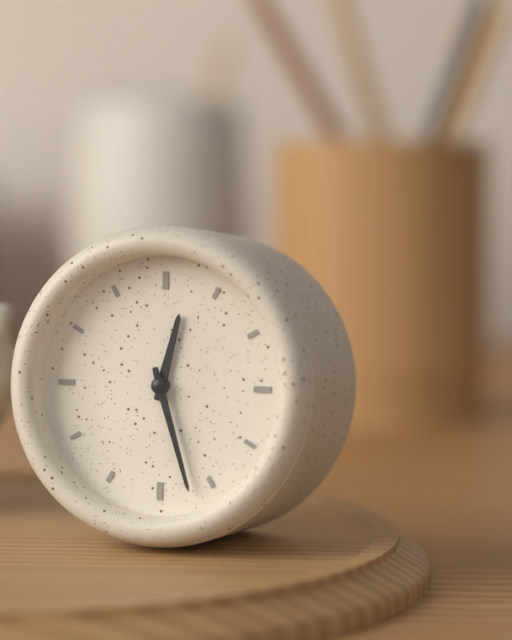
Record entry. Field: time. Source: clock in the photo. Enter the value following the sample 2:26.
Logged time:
12:27
